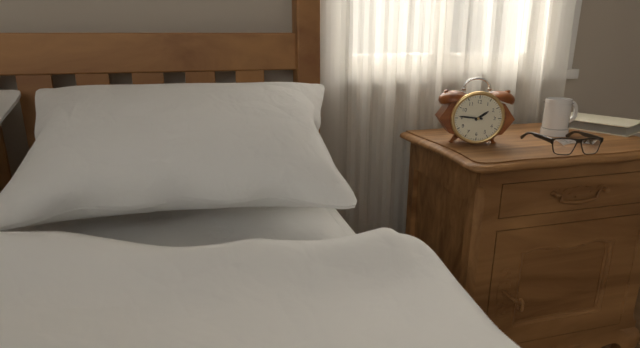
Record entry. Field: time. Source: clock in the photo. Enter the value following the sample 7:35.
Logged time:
1:46
